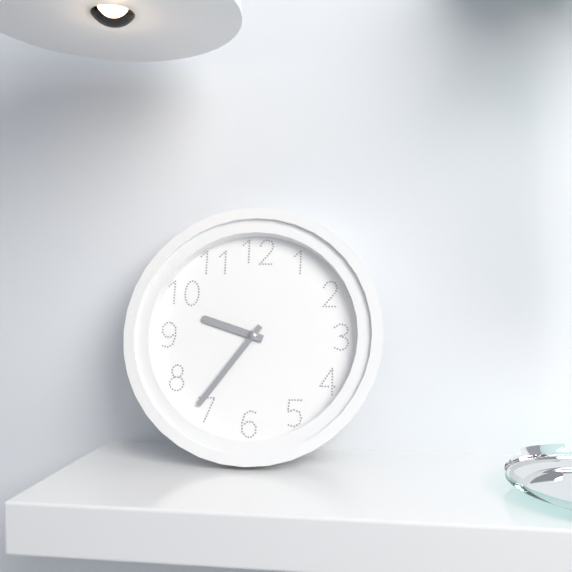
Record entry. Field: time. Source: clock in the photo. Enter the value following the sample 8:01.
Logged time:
9:36
